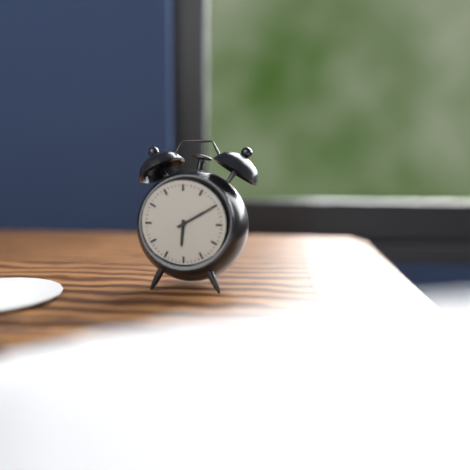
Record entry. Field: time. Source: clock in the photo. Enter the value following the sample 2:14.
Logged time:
6:10
